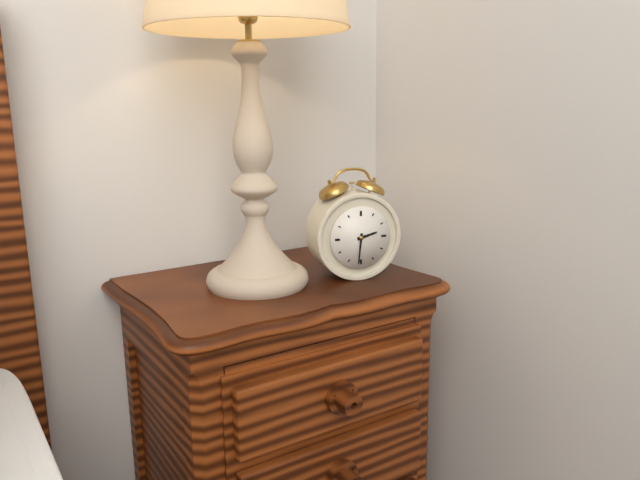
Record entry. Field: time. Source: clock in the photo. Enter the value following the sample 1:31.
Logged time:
2:31
